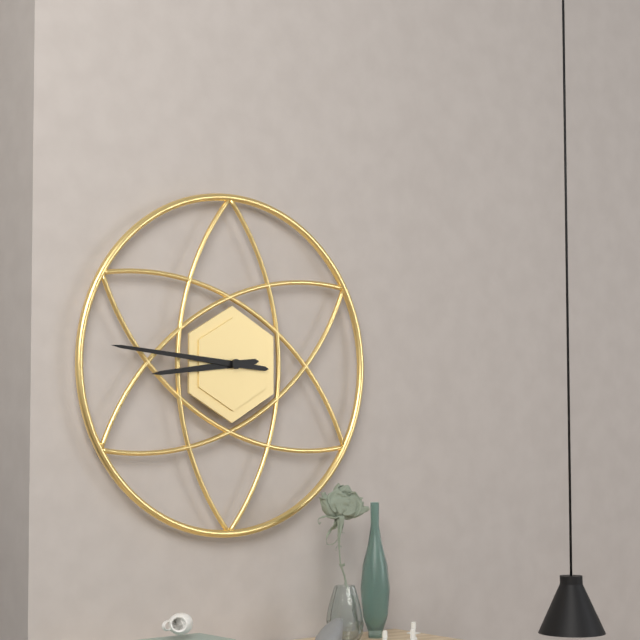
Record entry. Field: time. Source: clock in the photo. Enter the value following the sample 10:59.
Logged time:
8:46
